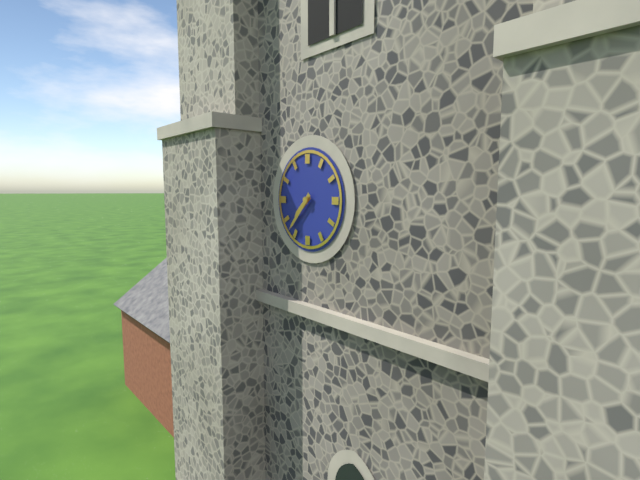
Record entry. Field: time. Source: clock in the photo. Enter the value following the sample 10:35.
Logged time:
7:37
